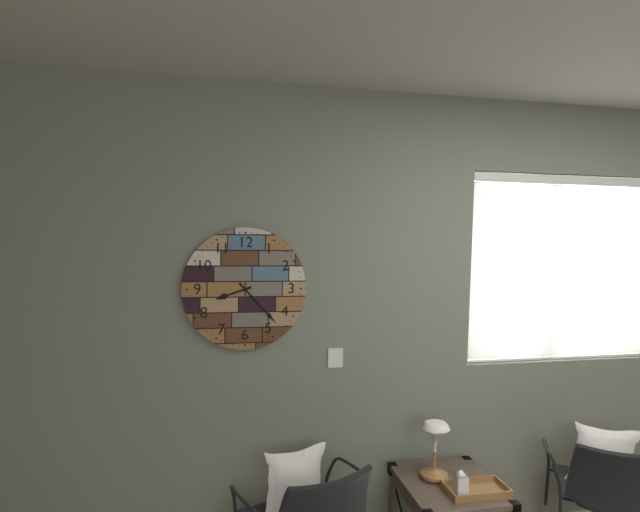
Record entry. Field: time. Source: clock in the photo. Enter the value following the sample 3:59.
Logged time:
8:23
